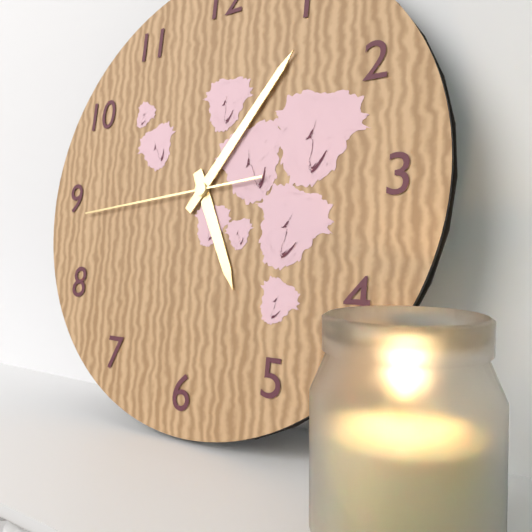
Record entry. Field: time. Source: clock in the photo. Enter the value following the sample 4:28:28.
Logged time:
5:06:44
